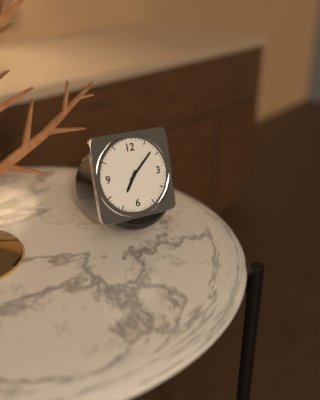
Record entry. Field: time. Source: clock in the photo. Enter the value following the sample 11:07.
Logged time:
7:08
